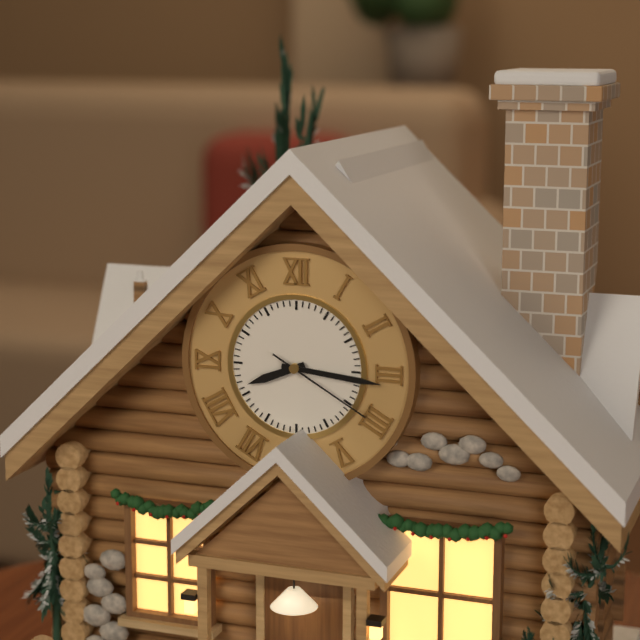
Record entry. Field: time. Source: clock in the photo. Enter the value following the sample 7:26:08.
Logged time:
8:16:20
